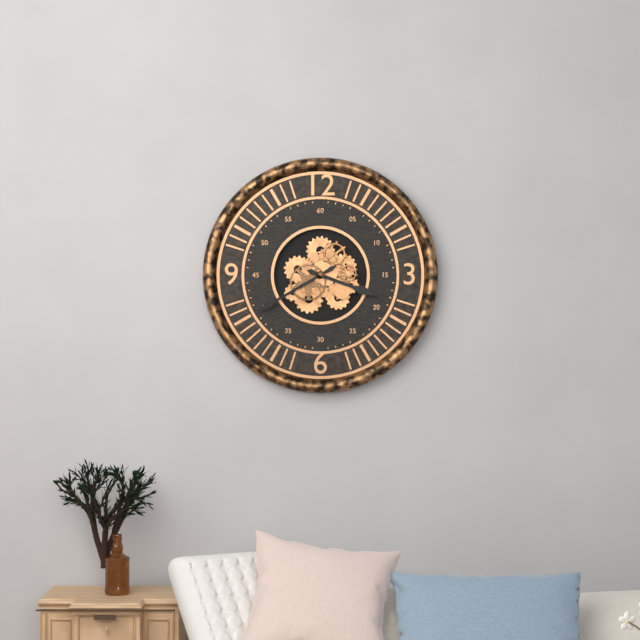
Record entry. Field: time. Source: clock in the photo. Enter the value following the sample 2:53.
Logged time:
3:40
